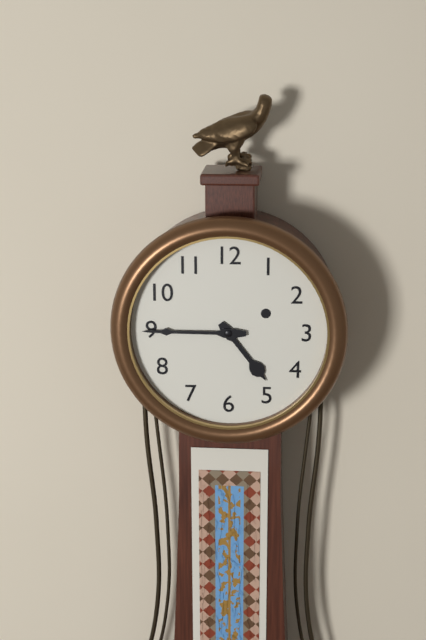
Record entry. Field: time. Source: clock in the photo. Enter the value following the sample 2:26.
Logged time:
4:45
